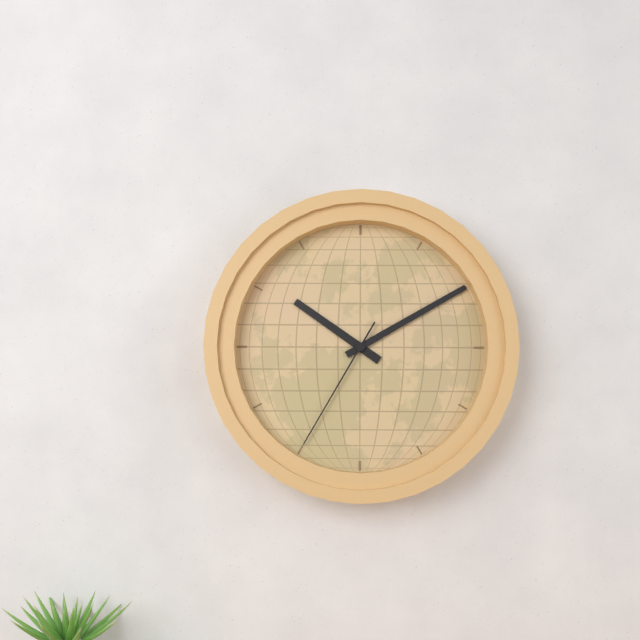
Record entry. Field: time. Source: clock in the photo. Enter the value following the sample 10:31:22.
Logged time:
10:10:35
